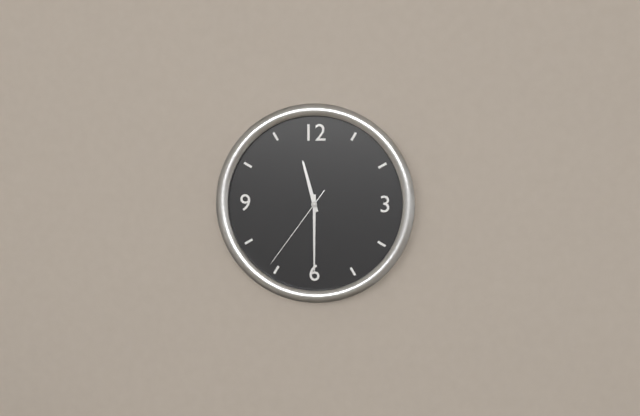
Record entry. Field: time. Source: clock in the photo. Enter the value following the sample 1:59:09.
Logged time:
11:30:36
